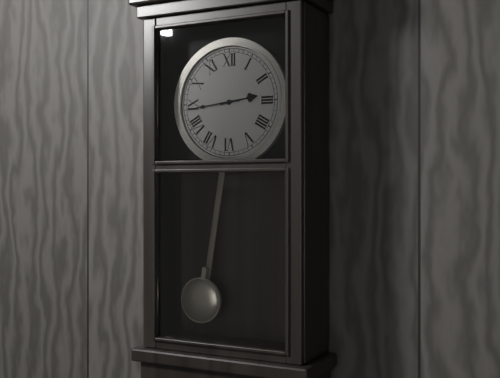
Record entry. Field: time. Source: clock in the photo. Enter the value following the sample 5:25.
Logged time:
2:44
